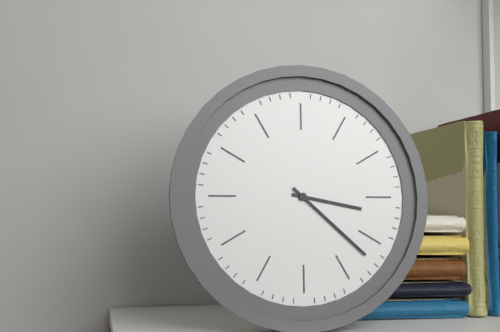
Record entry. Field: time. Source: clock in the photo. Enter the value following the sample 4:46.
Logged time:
3:22
